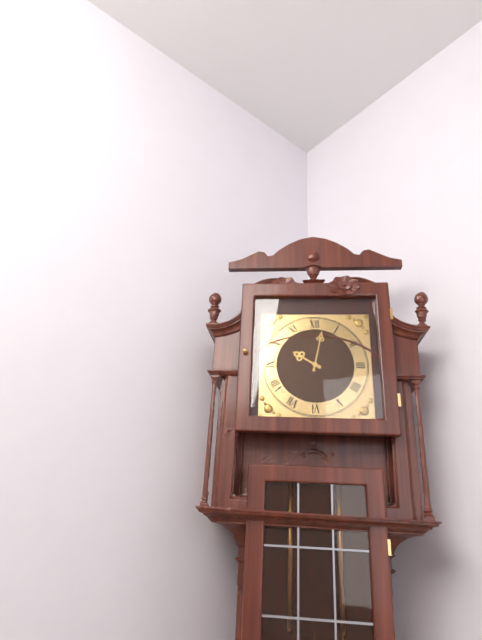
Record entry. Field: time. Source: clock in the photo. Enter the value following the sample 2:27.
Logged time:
10:02
